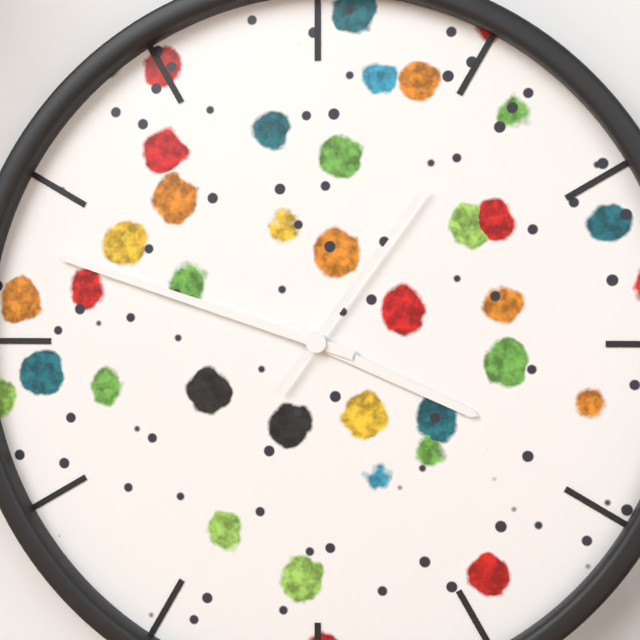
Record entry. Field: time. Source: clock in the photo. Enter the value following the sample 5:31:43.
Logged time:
3:48:06
